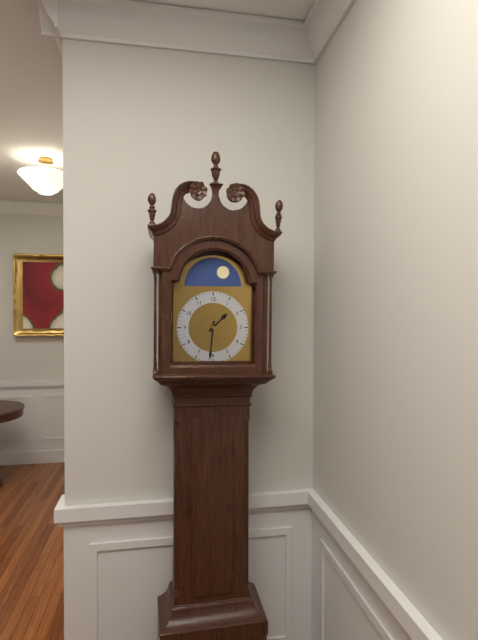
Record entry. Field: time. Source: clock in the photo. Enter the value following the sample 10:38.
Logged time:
1:31
